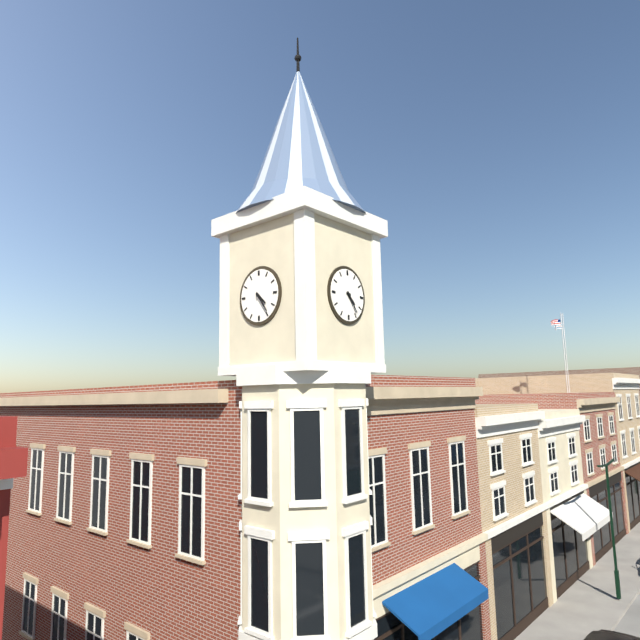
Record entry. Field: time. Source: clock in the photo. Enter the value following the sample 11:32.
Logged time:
4:24
